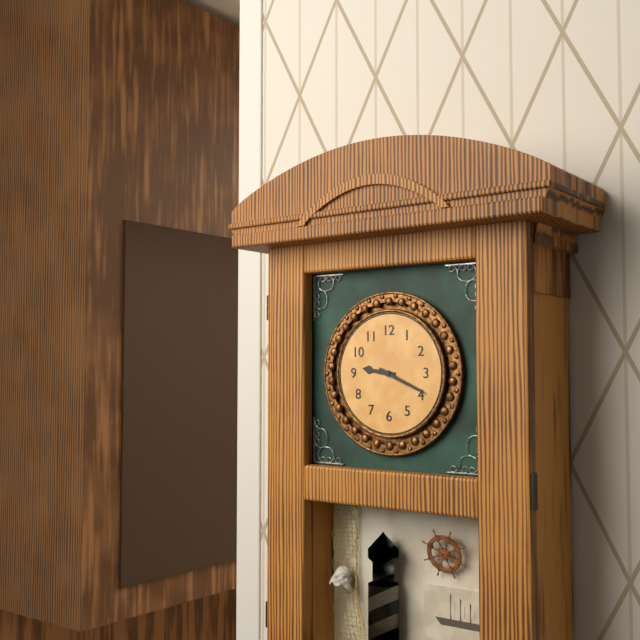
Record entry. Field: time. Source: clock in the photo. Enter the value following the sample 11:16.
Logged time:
9:19
